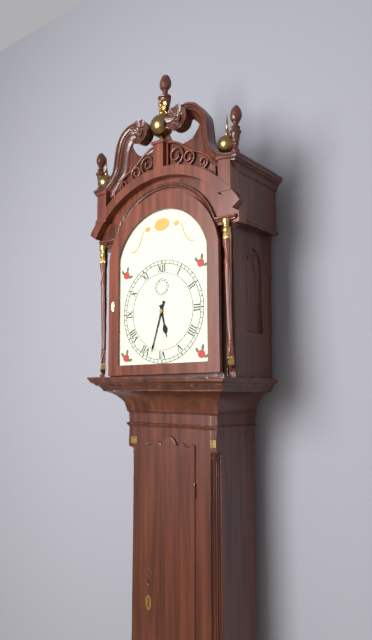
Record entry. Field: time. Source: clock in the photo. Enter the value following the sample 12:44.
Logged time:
5:33
